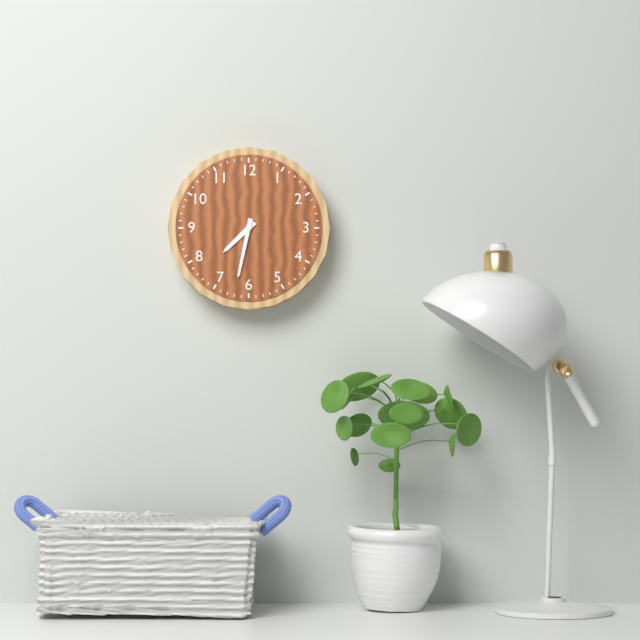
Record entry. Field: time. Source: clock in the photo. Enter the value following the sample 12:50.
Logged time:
7:32
